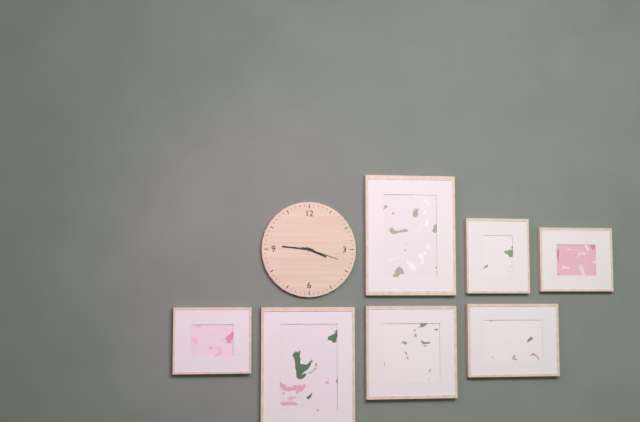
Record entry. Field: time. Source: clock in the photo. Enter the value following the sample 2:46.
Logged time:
3:46
